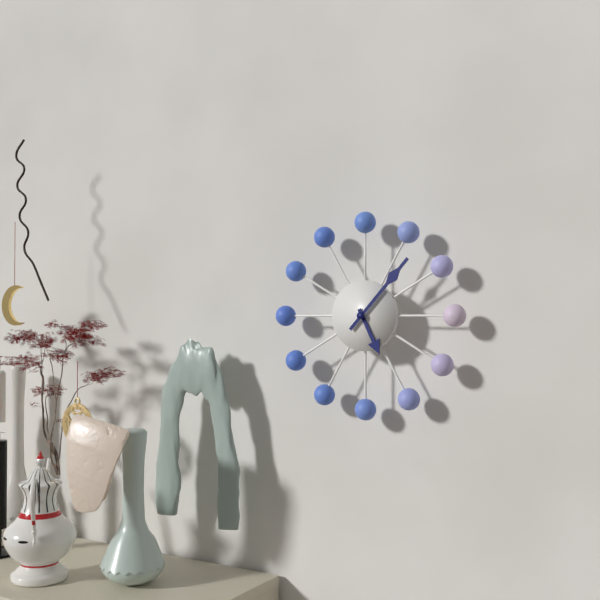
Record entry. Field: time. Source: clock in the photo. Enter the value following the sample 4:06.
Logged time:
5:07
